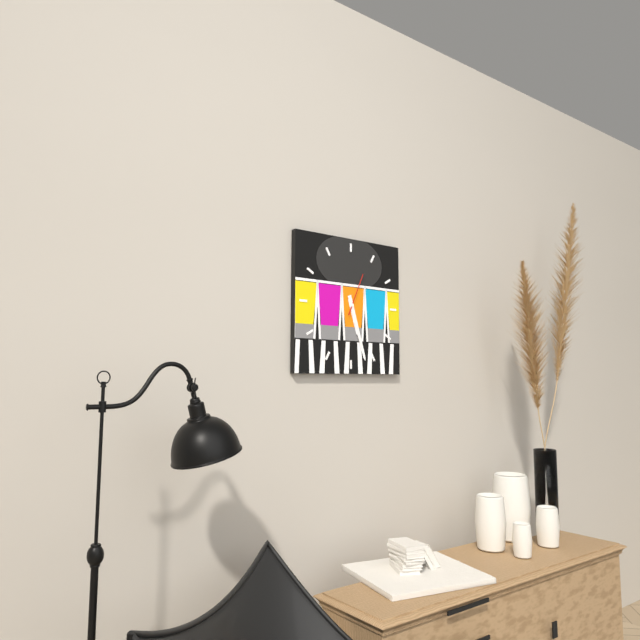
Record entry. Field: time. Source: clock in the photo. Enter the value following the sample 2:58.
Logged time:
5:27
